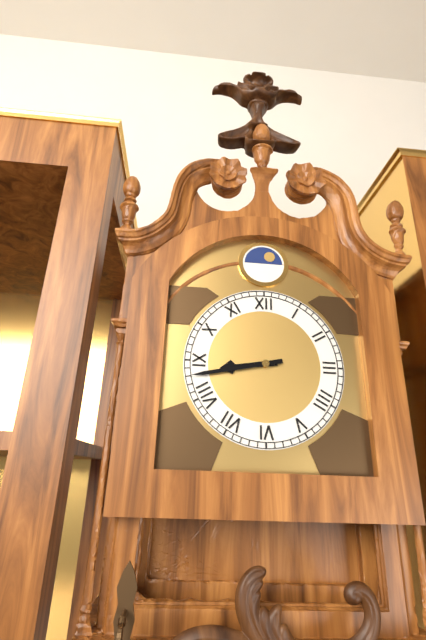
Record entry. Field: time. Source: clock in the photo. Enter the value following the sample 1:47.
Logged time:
8:43
